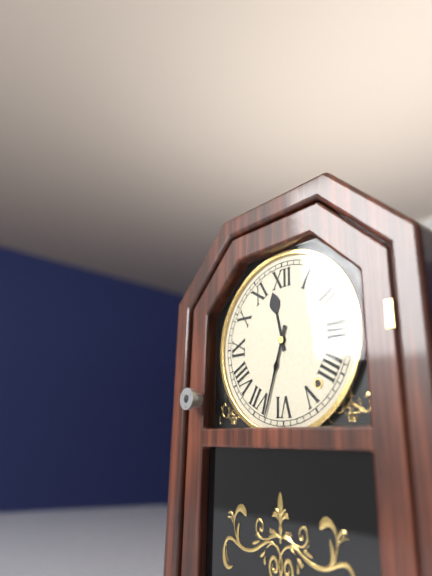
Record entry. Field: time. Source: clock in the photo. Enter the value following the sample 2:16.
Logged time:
11:33
